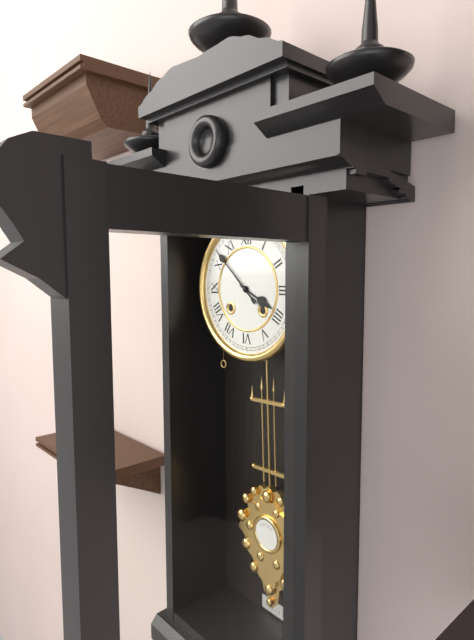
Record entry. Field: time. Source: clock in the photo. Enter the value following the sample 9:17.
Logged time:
3:52
